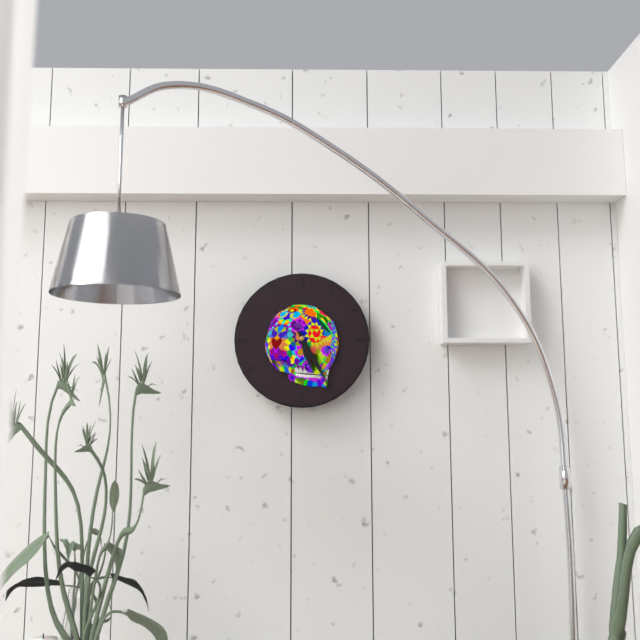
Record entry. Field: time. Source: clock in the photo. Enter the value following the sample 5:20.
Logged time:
5:25
